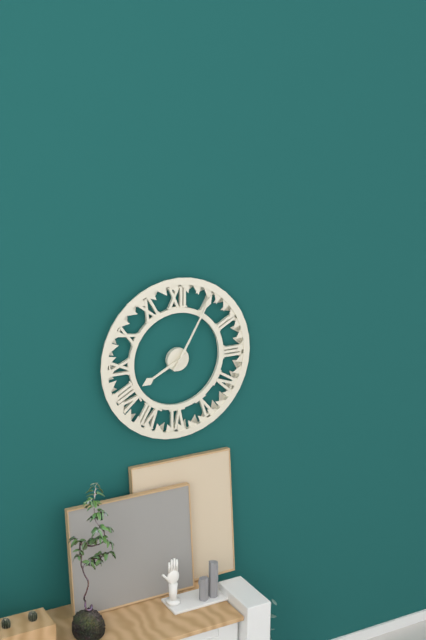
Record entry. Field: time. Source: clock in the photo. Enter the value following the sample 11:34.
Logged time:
8:05
